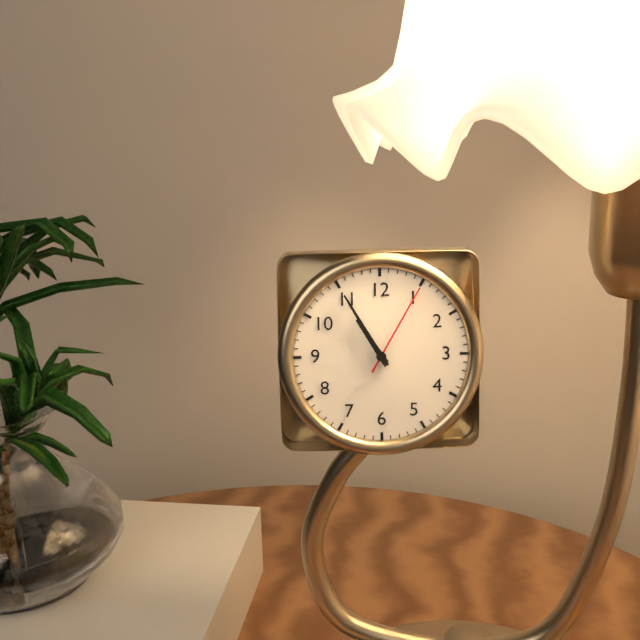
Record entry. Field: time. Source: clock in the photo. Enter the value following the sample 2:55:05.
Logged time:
10:55:05
